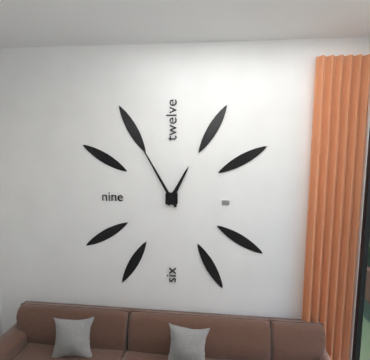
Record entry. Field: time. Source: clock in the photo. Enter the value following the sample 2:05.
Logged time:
12:55
